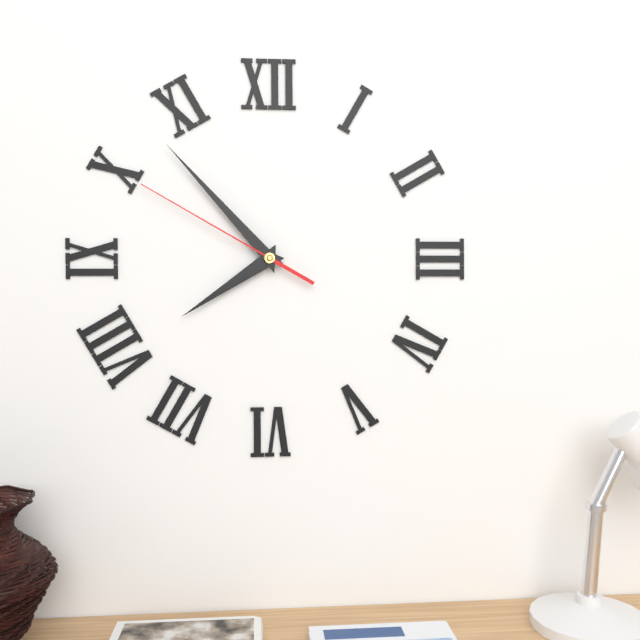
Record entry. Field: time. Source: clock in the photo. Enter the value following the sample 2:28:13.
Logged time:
7:53:50
